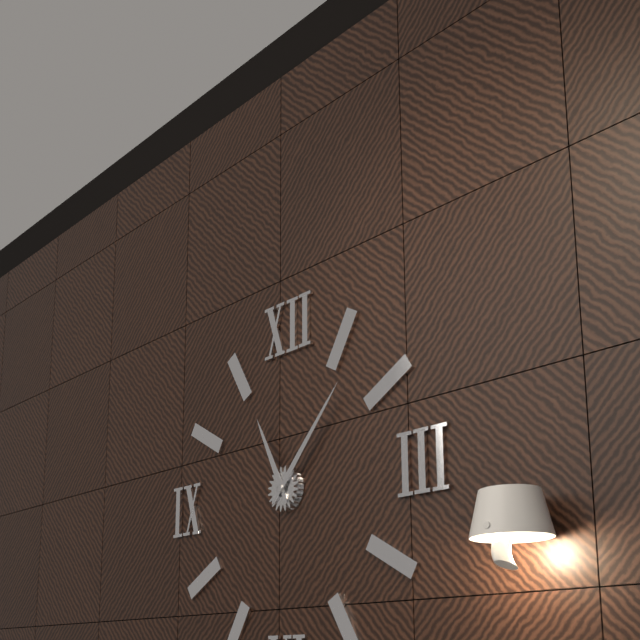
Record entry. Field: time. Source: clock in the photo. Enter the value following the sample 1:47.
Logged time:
11:07
